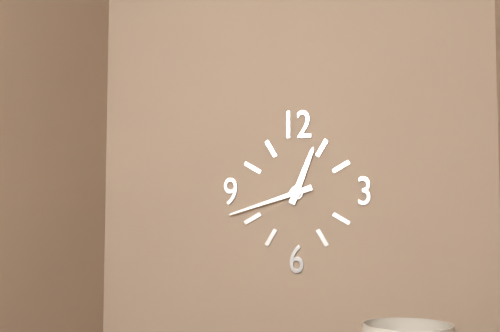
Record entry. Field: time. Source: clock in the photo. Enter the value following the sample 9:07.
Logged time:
12:42
